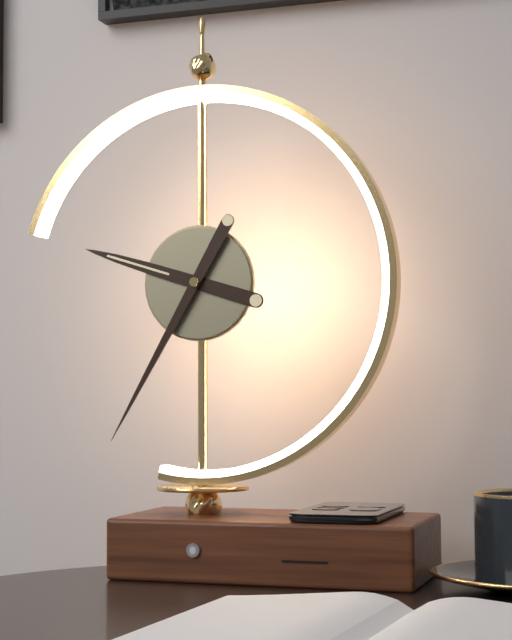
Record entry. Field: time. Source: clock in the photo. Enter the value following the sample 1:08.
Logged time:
9:35
